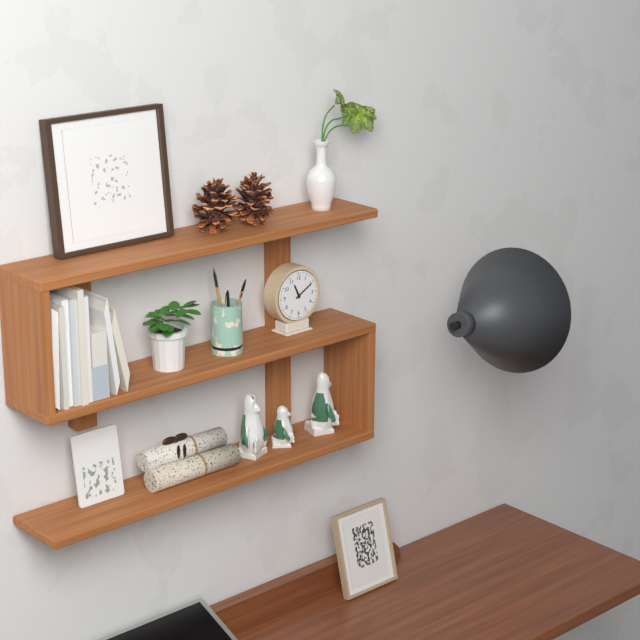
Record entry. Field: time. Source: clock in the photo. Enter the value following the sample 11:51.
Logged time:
11:10
